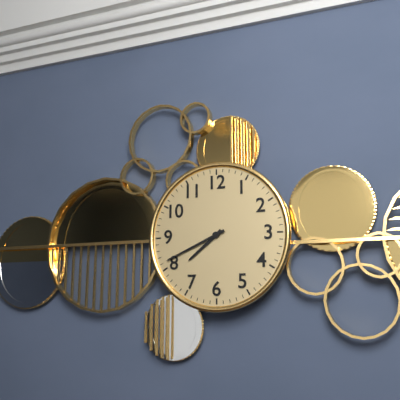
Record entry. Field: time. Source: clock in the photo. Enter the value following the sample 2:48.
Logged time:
7:41
